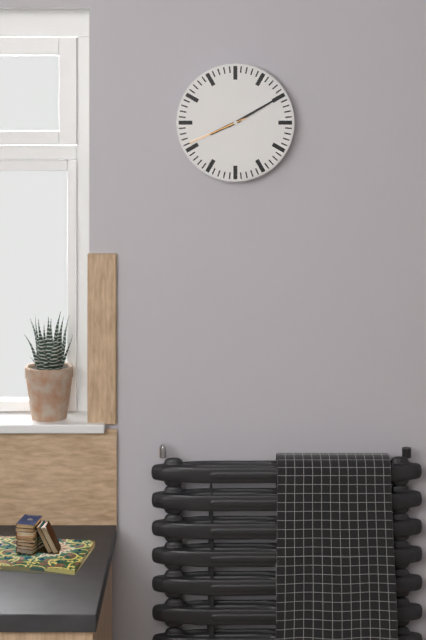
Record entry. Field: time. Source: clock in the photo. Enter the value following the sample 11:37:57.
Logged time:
8:10:41
